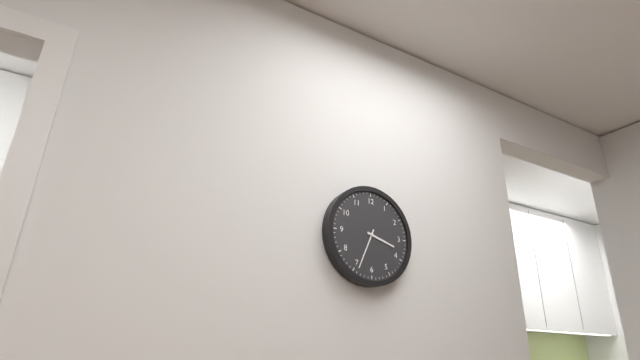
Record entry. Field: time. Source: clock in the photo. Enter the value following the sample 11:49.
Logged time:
3:34
